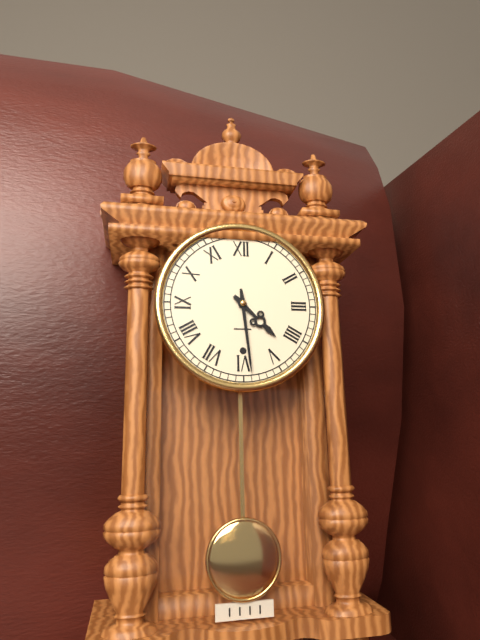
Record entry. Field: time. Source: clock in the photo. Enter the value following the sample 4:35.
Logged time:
4:29
